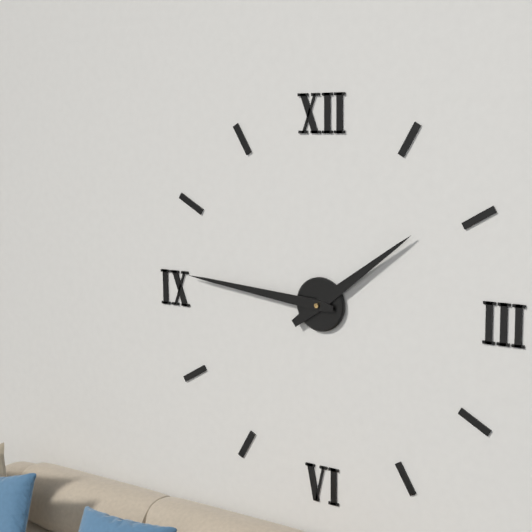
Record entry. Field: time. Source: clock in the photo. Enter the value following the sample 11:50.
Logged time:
1:46
